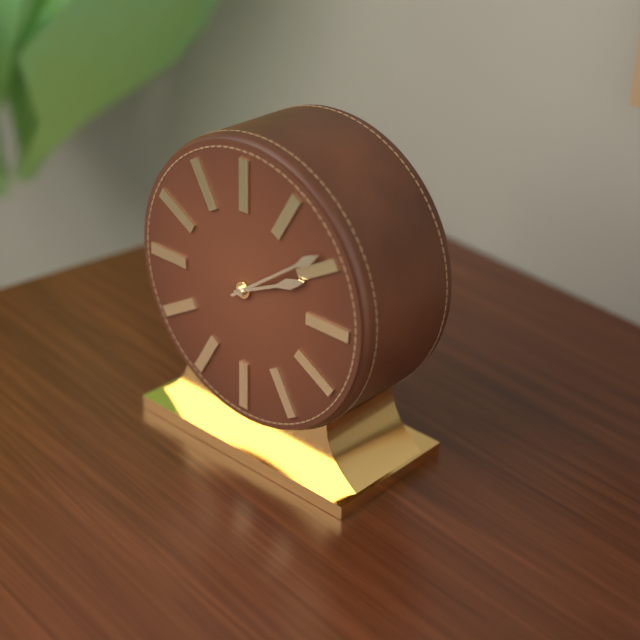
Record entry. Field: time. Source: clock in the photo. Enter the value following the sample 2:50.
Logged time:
2:09
